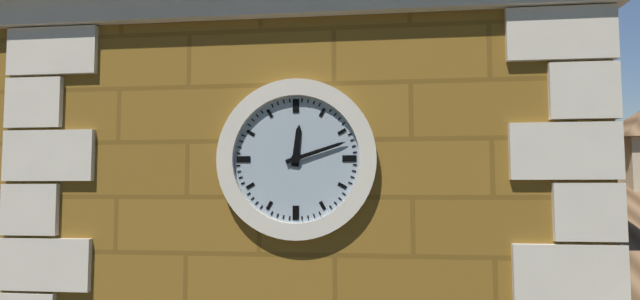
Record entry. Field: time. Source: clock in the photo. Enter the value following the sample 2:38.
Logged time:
12:12
